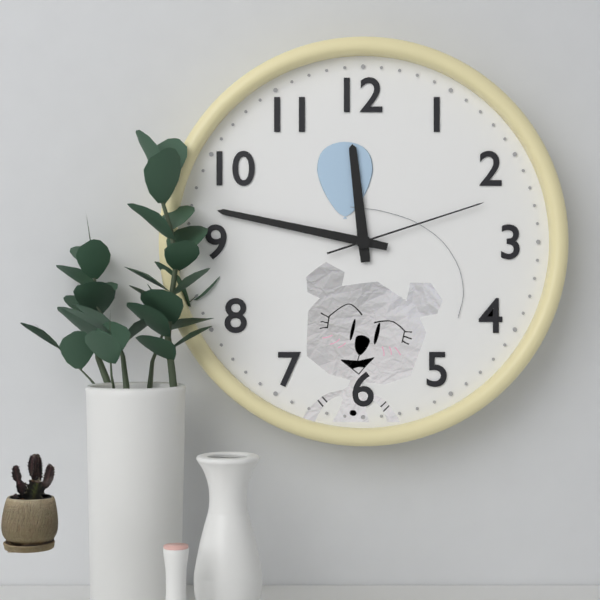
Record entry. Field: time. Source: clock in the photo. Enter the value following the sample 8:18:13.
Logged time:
11:47:12
